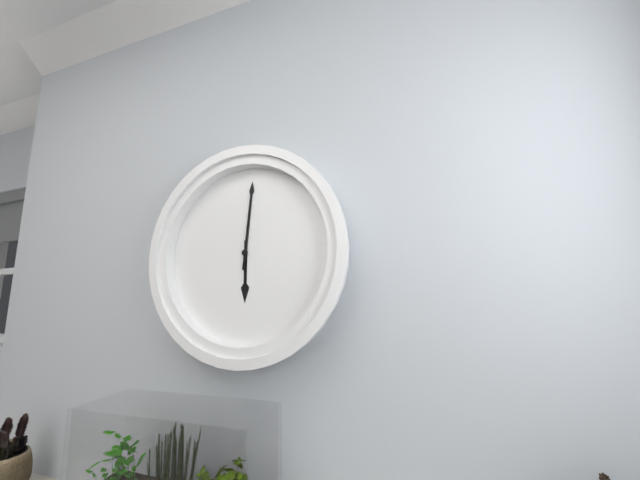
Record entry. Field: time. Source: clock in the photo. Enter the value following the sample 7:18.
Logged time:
6:01
